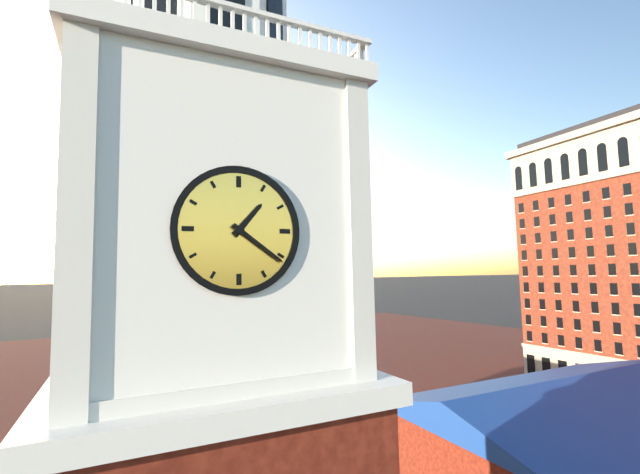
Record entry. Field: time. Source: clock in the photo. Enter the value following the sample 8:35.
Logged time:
1:21
